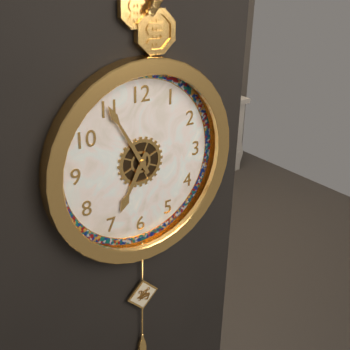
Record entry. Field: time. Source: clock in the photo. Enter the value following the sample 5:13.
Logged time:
6:55
